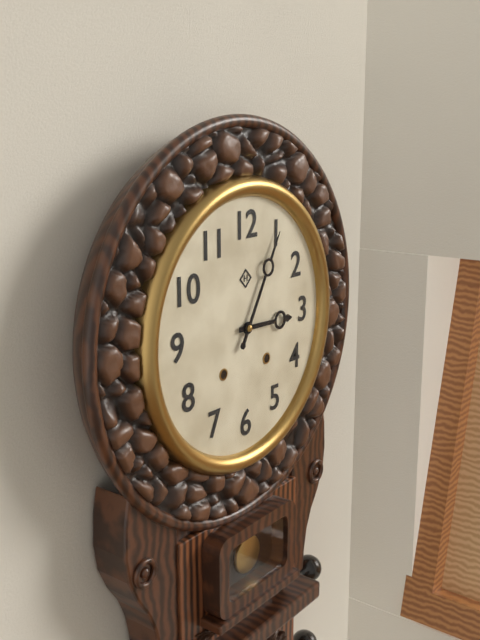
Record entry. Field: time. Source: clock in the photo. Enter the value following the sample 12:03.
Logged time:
3:05
